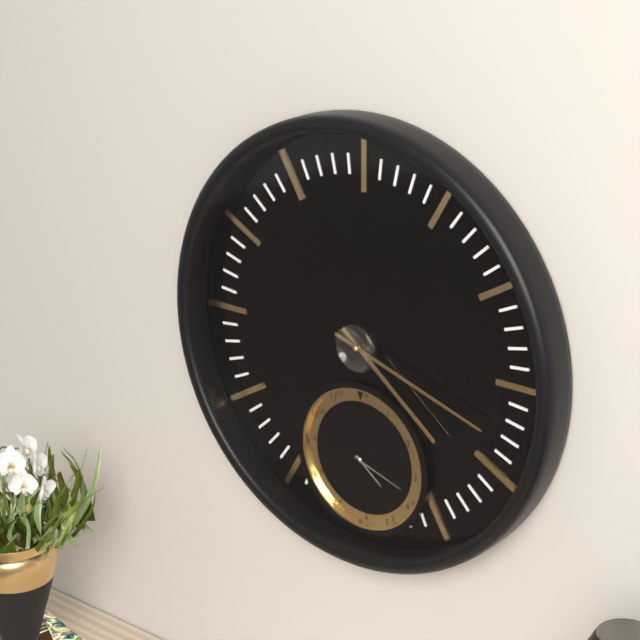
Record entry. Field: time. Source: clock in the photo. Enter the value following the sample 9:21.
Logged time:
4:18
